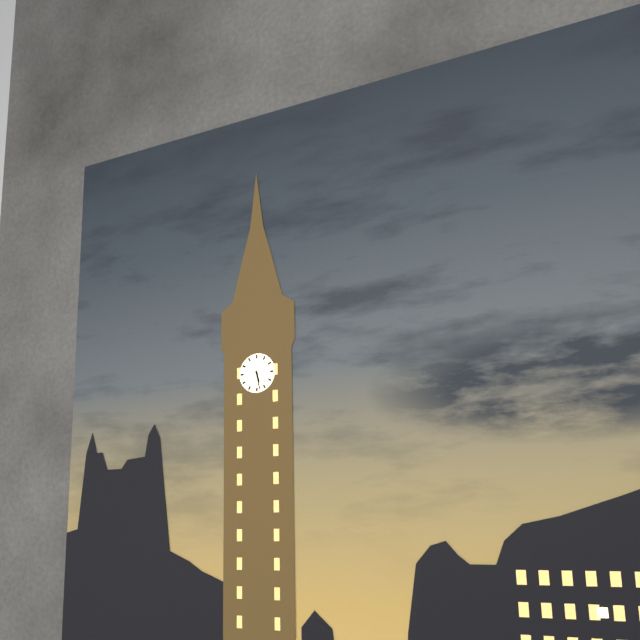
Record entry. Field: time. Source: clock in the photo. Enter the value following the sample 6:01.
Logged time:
5:28
